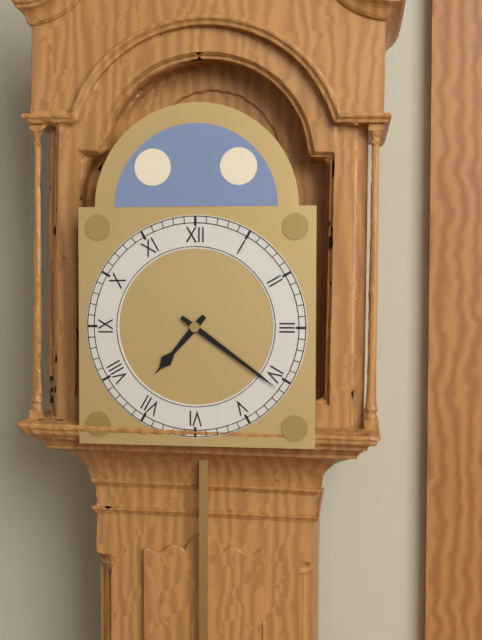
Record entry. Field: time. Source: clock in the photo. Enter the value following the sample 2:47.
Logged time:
7:21
